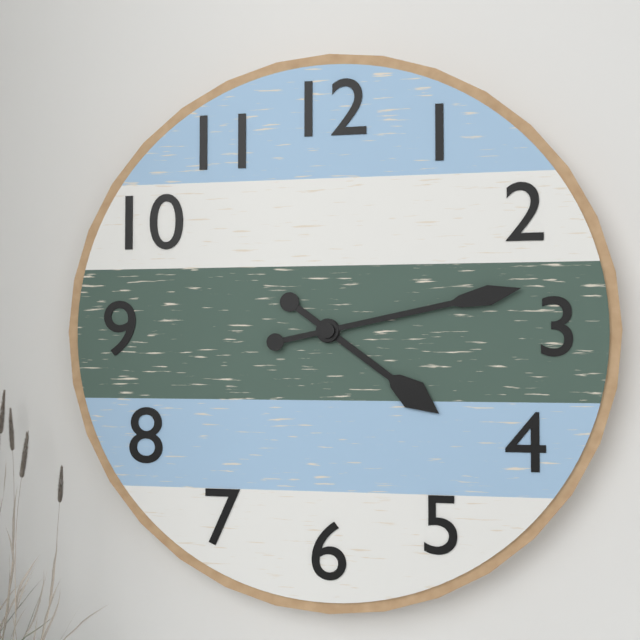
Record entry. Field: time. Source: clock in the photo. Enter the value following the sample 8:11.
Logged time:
4:13
